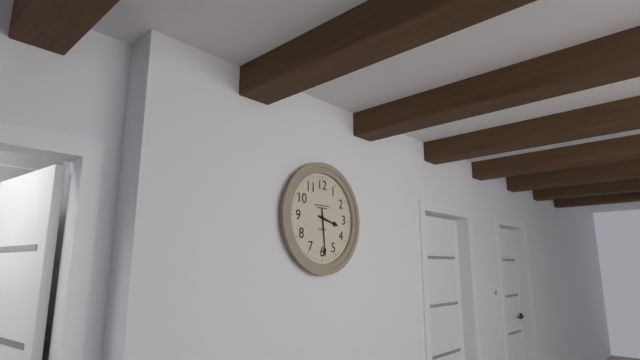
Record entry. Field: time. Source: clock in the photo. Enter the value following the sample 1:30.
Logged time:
3:29
